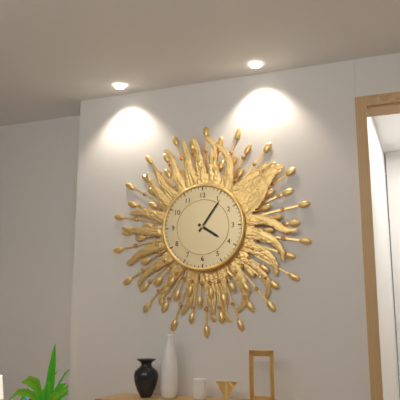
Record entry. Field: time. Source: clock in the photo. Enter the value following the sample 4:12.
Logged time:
4:06
